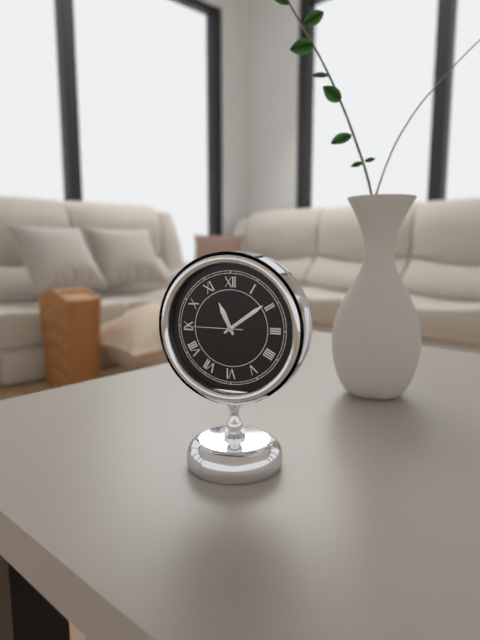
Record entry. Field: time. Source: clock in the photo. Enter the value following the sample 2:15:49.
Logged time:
11:09:45
